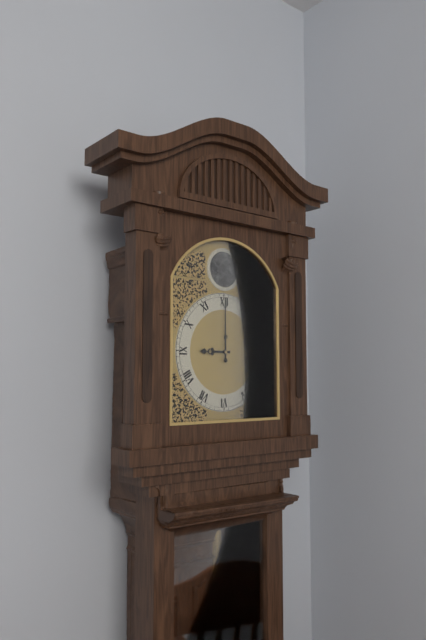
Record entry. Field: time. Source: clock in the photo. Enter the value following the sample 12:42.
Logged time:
9:00
